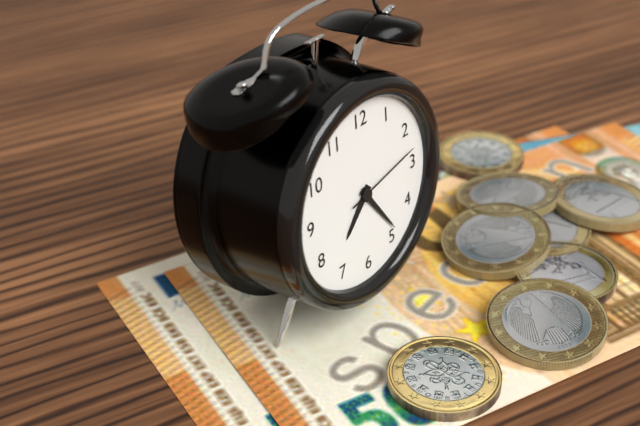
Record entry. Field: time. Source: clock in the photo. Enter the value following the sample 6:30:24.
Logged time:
7:24:13
